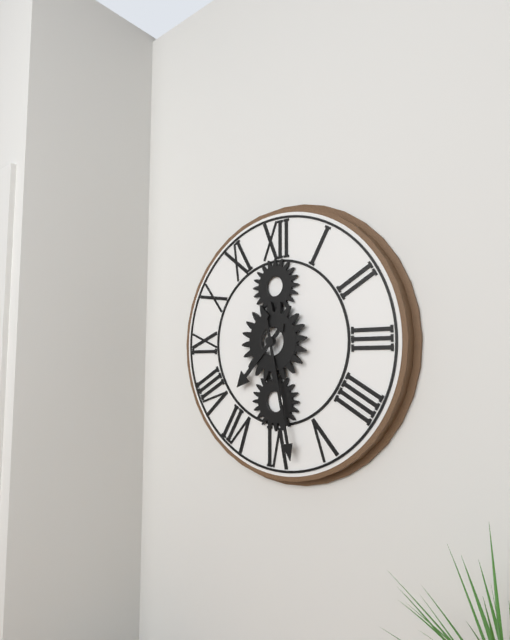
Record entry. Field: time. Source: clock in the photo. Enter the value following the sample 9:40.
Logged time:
7:28
